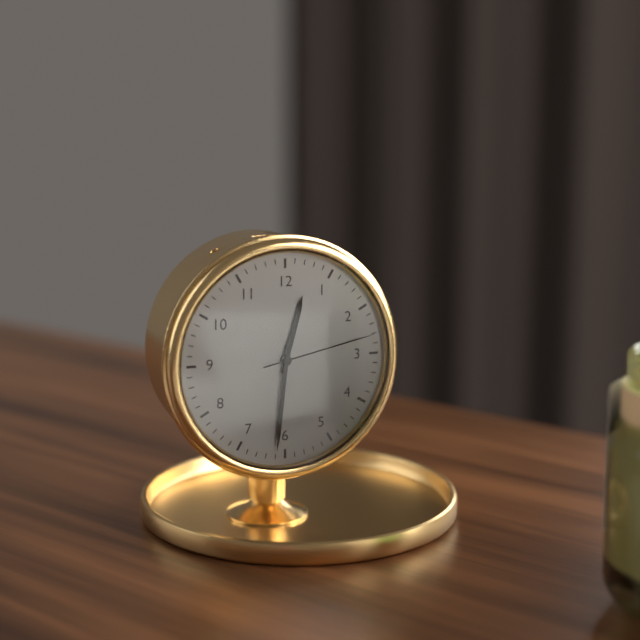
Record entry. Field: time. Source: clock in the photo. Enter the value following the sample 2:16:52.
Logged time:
12:31:13
